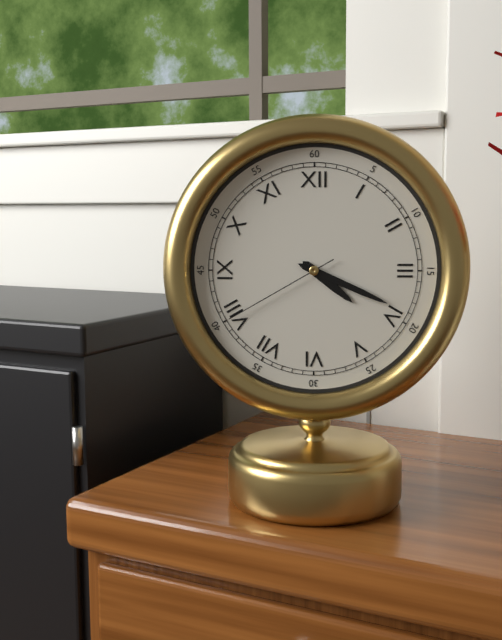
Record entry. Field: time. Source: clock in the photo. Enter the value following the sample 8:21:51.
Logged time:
4:19:40
